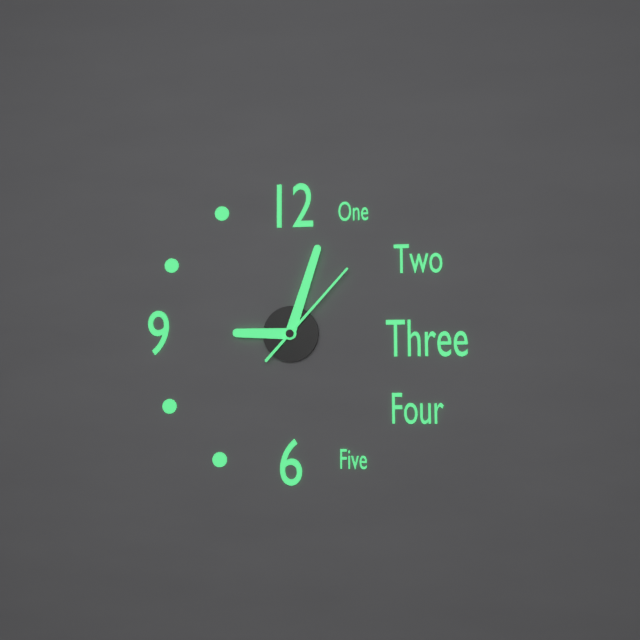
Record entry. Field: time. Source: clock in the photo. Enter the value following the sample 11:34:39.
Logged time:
9:03:07
